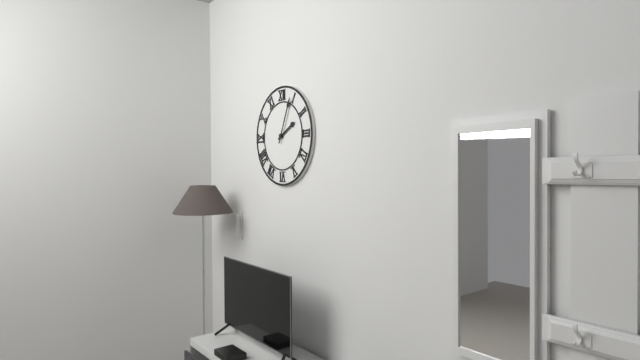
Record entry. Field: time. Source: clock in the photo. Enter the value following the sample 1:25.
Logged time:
2:04
